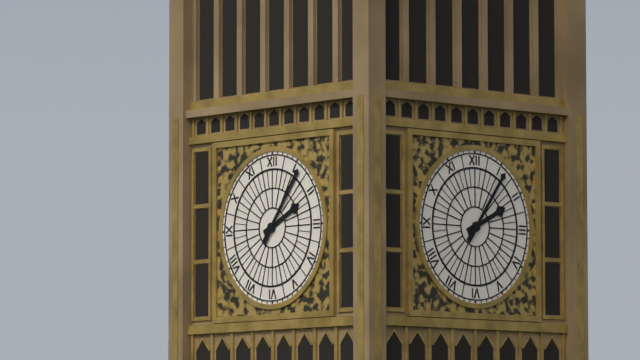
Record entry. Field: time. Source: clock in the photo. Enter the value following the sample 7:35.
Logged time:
2:06
